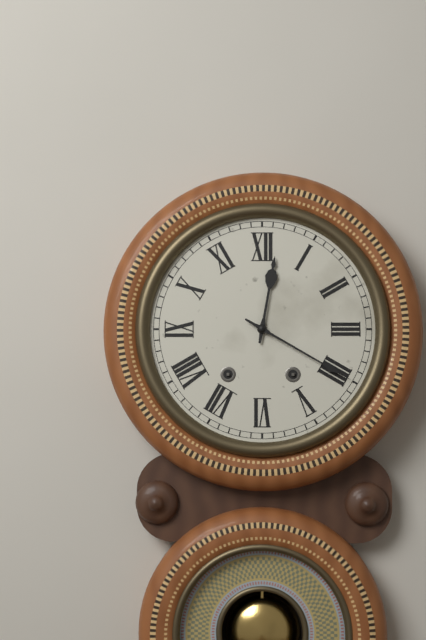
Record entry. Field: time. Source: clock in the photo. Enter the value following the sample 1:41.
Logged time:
12:20
